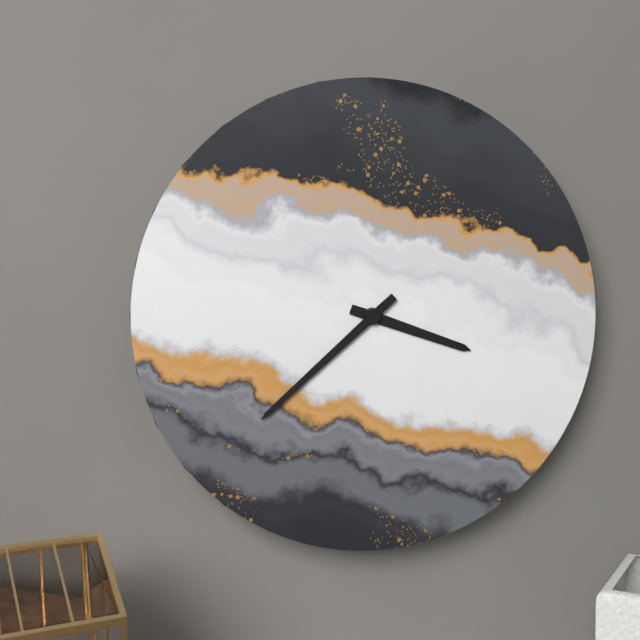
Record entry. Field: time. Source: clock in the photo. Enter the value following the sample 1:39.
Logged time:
3:38
